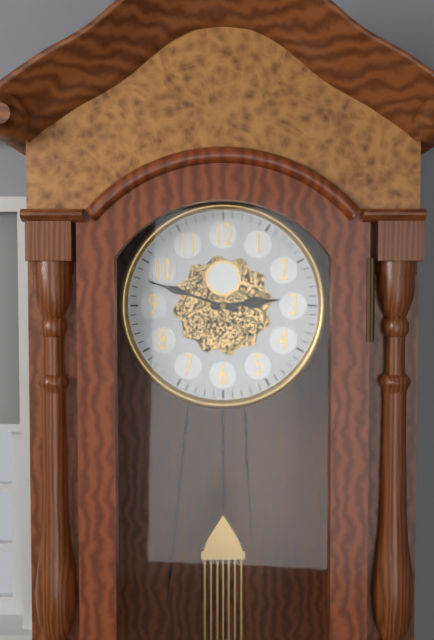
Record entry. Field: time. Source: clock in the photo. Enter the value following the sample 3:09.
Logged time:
2:48
